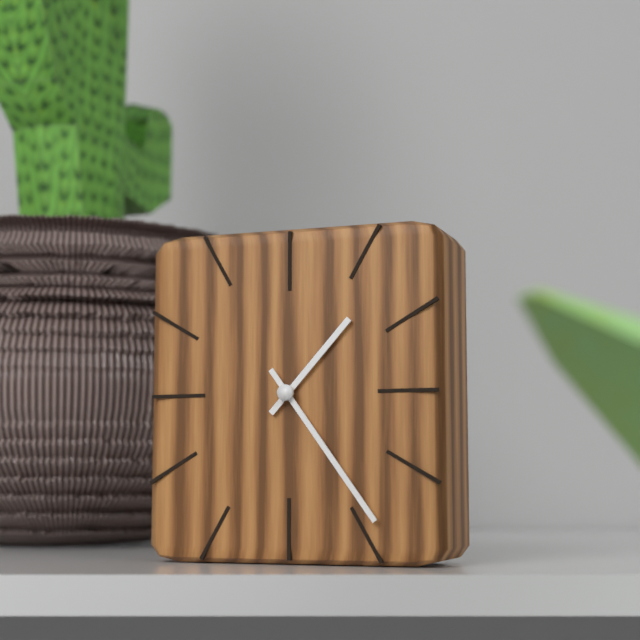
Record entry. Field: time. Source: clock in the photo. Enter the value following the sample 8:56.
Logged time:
1:24
